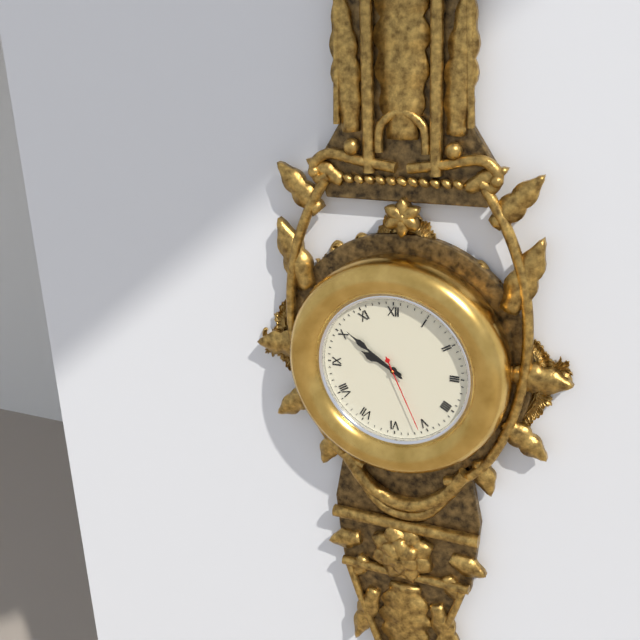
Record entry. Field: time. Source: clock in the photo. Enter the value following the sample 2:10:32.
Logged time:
9:51:26
